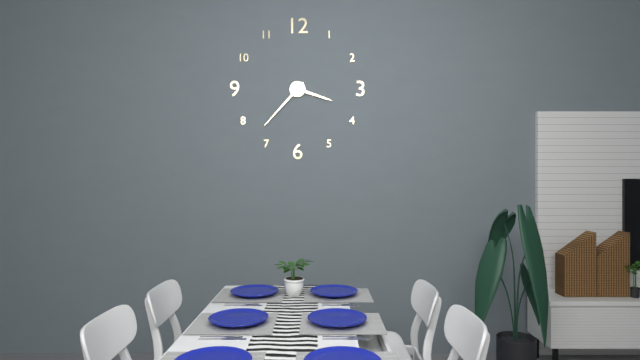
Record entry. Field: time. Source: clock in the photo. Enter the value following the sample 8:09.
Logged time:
3:37
